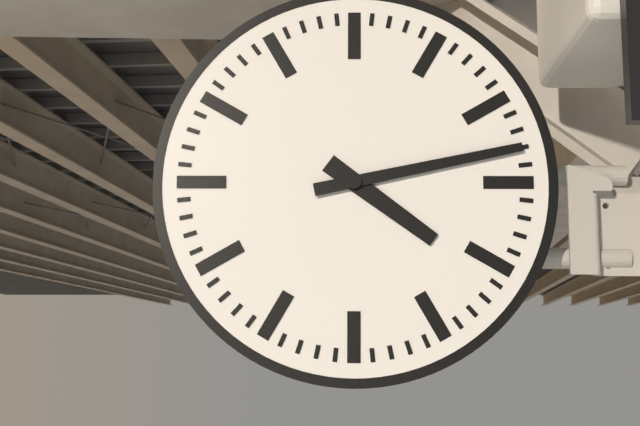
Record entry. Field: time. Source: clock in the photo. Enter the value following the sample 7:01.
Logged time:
4:13
